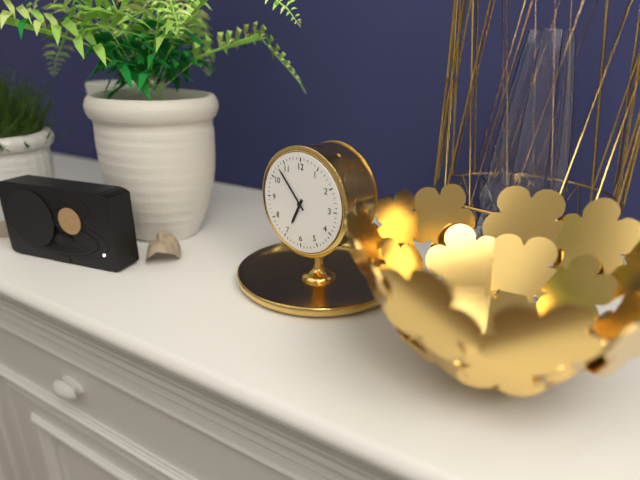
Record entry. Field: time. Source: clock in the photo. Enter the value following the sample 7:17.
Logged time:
6:53
